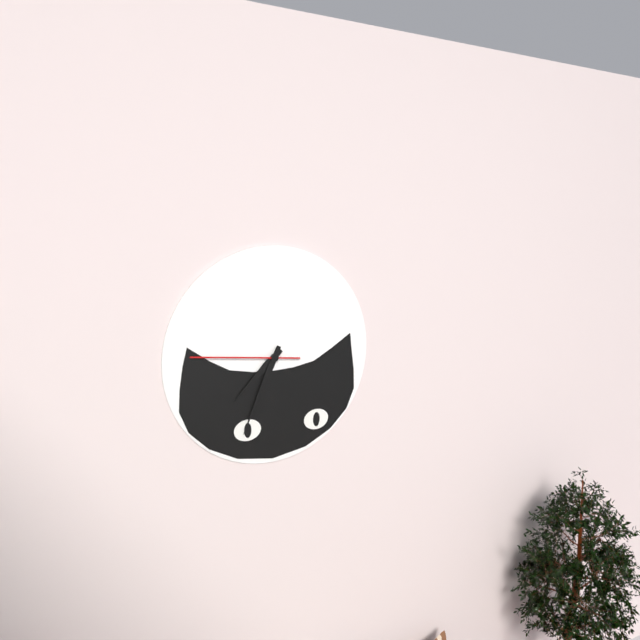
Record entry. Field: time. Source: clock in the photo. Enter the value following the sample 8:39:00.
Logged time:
7:34:46
